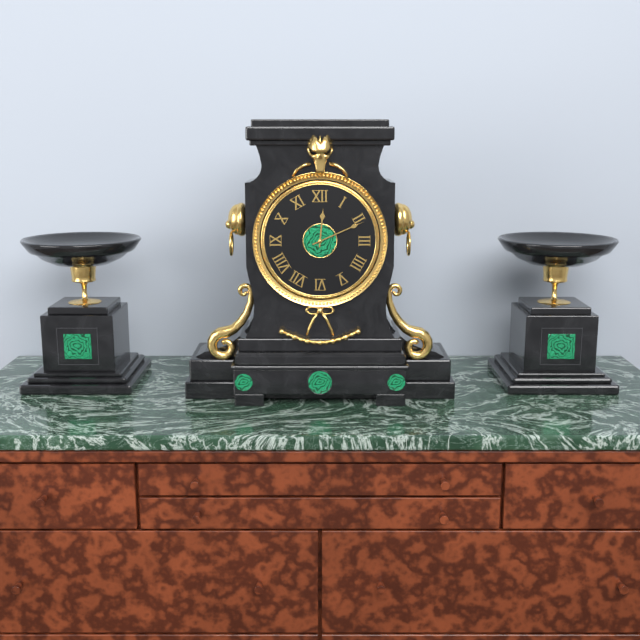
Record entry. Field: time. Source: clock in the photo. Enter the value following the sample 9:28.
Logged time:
12:11
